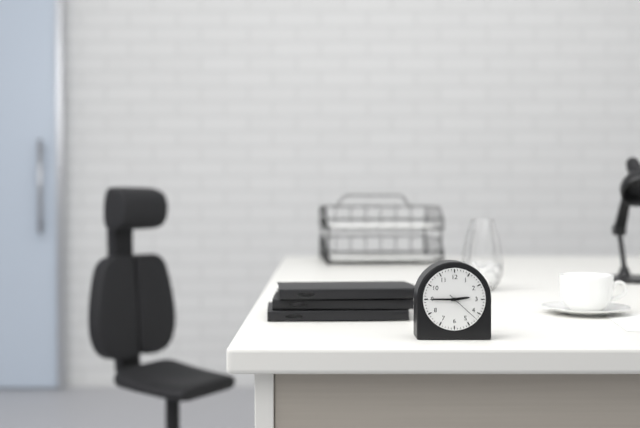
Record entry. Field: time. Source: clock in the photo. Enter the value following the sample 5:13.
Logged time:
2:45
